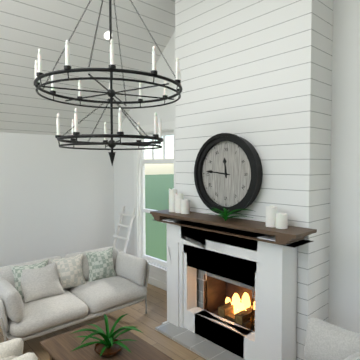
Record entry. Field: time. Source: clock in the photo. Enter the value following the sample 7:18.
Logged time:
11:46
